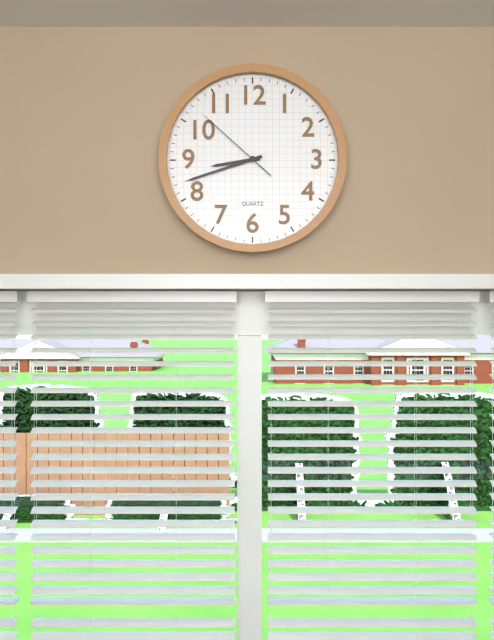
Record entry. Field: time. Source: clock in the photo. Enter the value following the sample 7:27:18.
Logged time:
8:42:52
